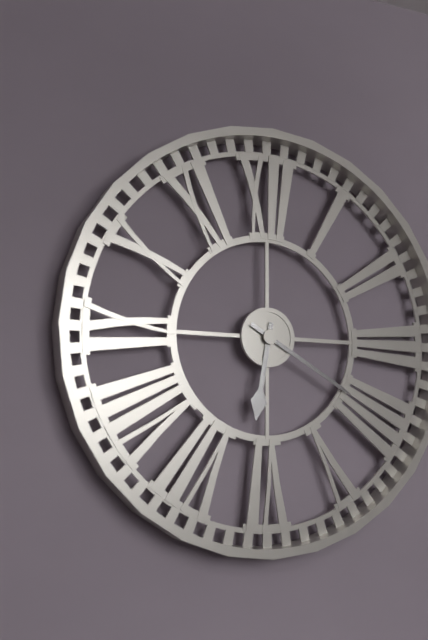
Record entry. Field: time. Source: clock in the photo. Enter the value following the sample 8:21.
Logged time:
6:20
